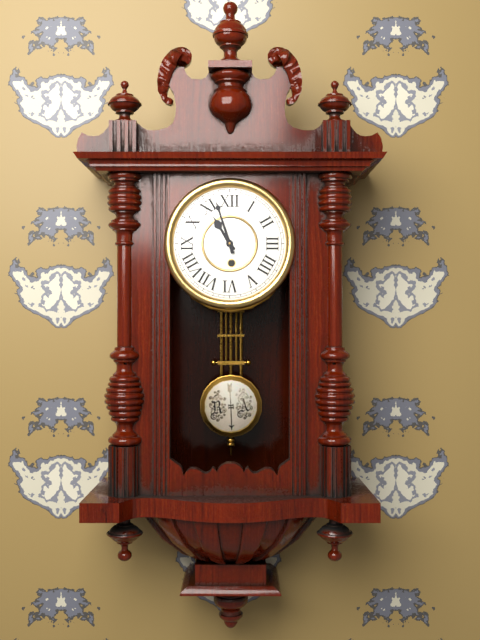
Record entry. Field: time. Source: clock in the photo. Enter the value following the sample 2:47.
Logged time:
10:57
